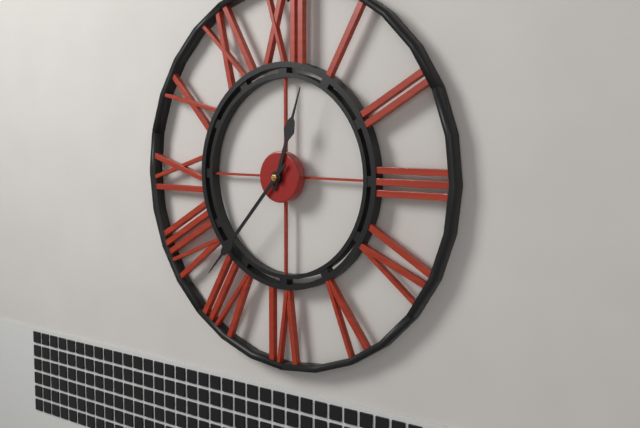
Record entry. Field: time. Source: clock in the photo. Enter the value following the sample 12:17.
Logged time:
12:37
